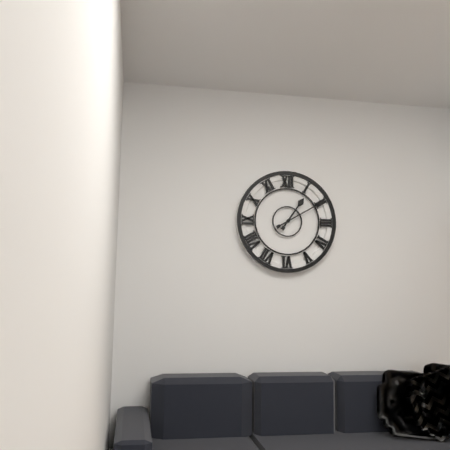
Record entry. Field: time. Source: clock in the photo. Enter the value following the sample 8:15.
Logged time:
1:10
